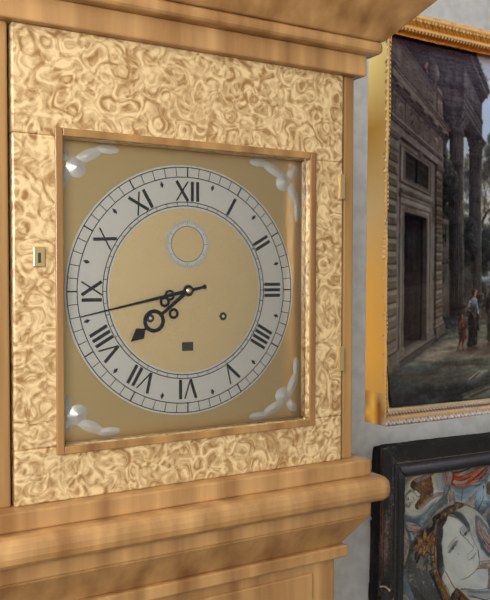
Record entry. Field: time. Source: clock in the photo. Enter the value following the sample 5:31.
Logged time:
7:43
